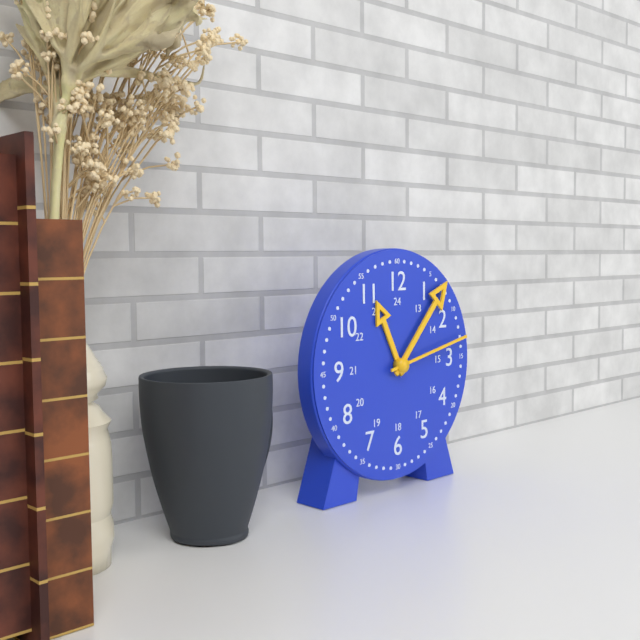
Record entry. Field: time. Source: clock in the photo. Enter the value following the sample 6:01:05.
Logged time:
11:07:13
